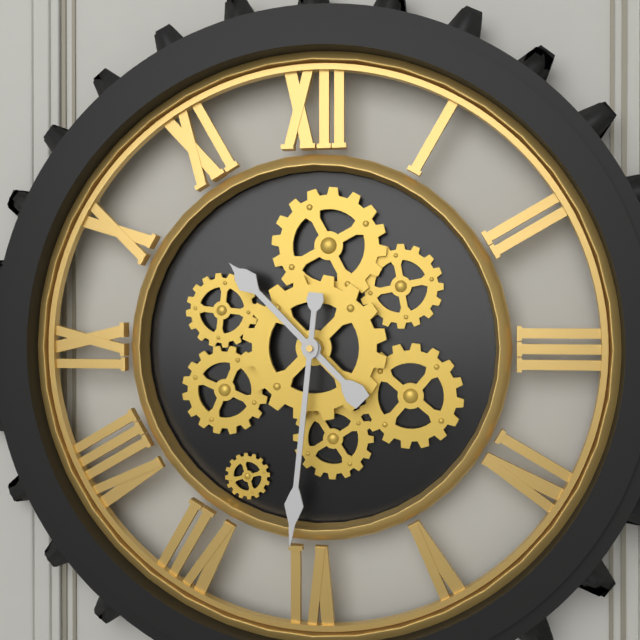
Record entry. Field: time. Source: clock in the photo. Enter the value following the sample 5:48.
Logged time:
10:31
